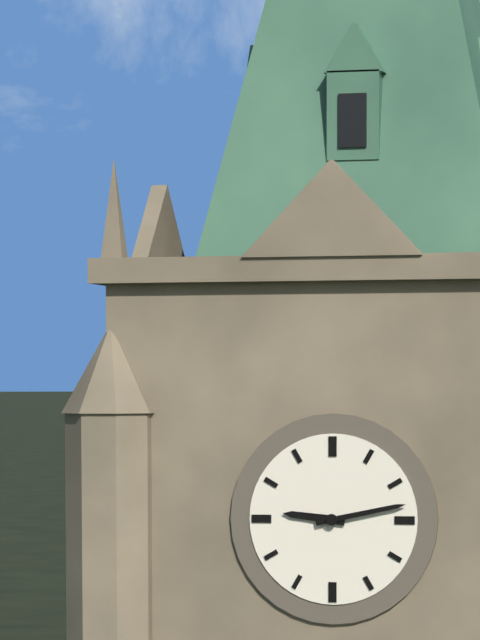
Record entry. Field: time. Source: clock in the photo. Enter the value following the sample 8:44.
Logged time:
9:13
